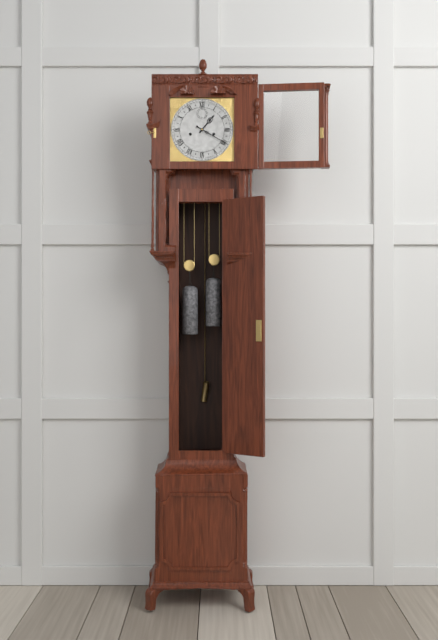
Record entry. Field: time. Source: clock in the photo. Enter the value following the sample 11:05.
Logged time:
1:20
